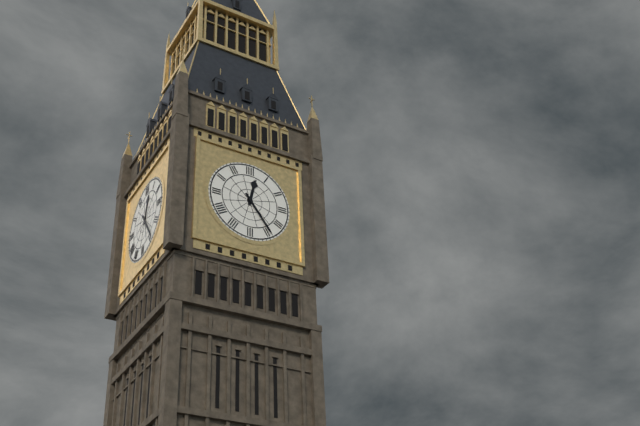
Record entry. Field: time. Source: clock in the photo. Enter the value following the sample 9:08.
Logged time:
12:24
